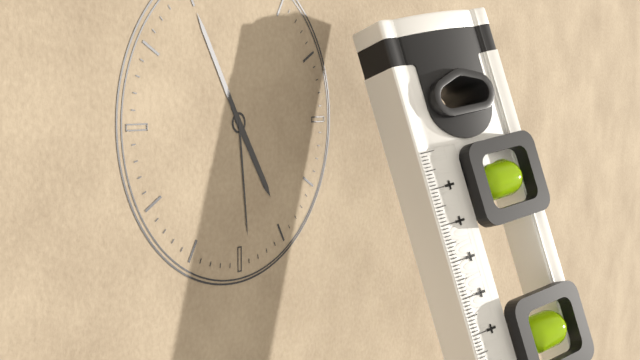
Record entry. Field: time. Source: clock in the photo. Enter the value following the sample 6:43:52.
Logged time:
4:55:29
